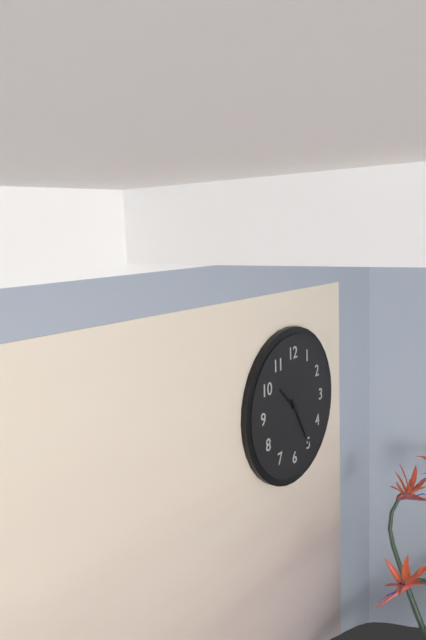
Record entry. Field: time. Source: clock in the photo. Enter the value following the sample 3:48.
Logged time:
10:25
